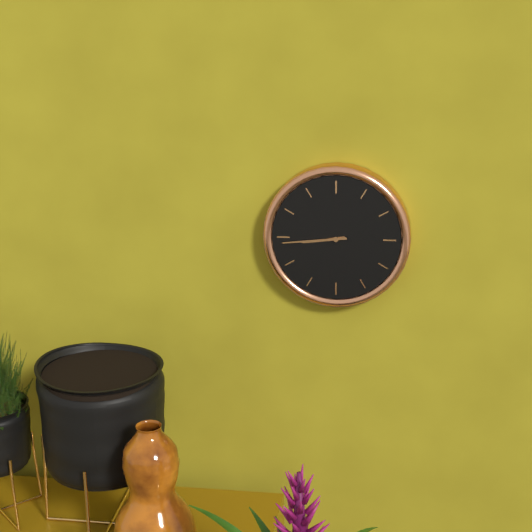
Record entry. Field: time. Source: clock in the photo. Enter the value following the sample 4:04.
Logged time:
8:44
